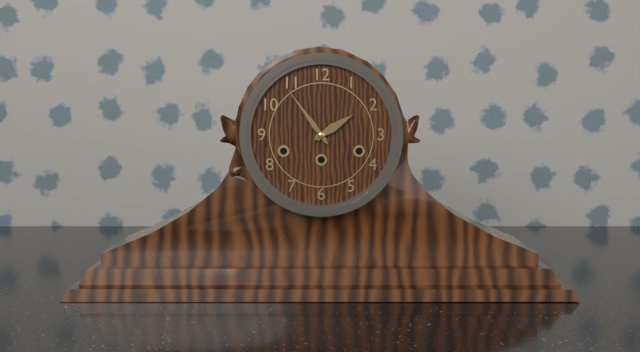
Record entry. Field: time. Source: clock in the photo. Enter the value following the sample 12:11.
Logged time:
1:54
